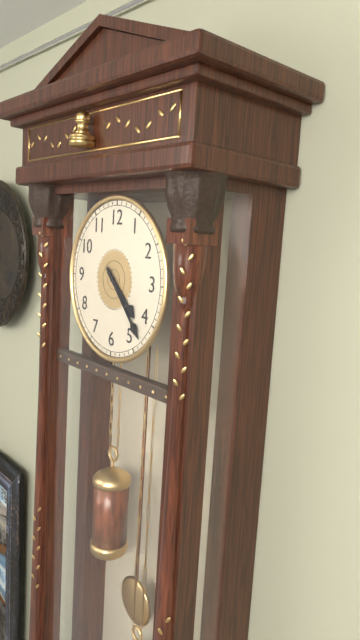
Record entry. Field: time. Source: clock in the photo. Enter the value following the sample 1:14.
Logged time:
4:23
